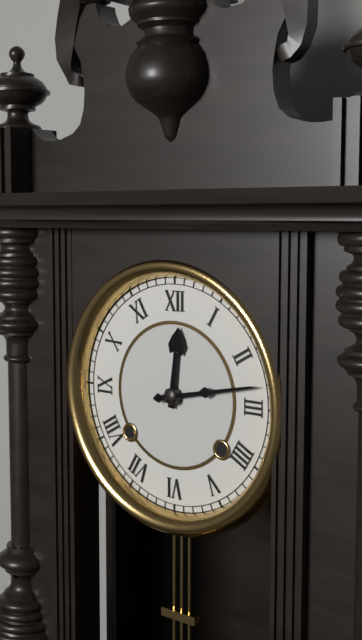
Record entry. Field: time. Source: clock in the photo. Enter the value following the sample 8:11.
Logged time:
12:13
